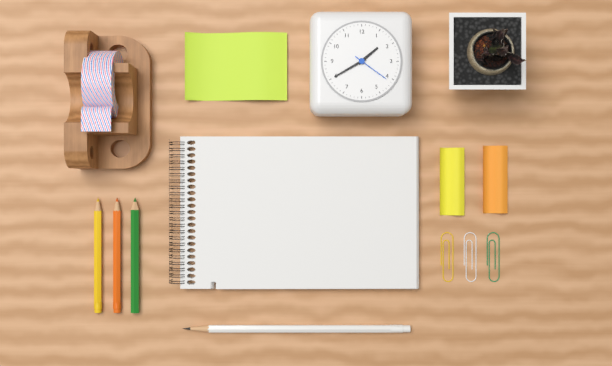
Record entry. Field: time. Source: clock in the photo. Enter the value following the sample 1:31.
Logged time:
1:40
